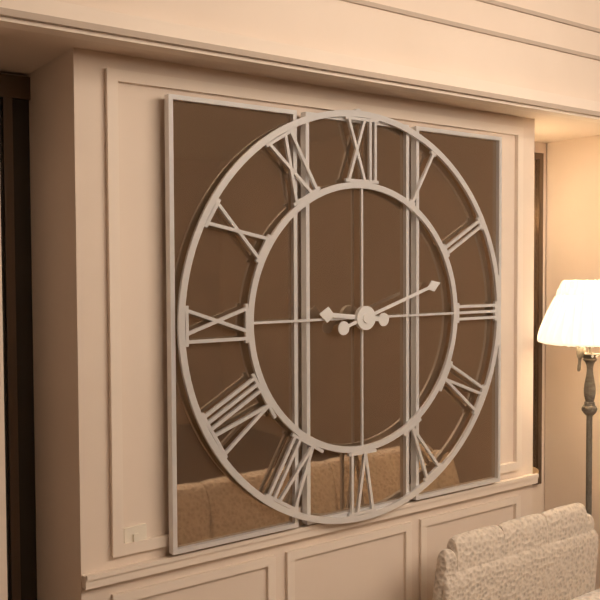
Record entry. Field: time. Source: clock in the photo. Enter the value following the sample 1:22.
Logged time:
9:12
